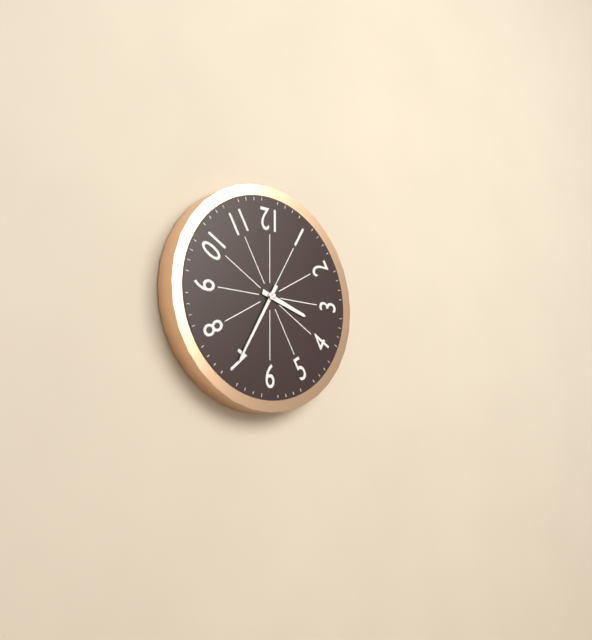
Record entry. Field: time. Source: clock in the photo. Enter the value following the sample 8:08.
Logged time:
3:35
